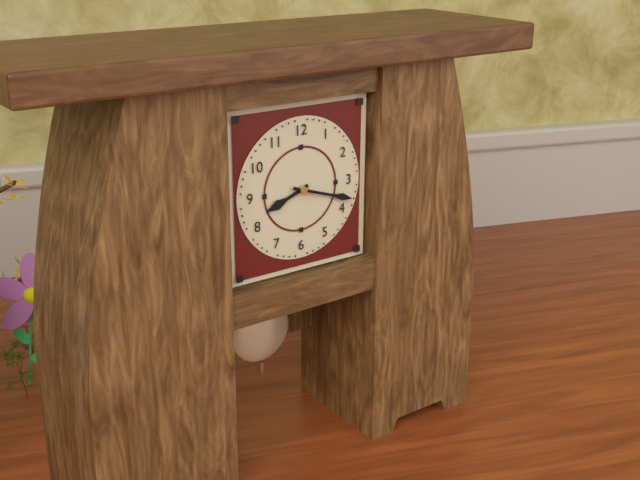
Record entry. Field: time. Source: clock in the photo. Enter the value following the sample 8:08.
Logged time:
8:18
